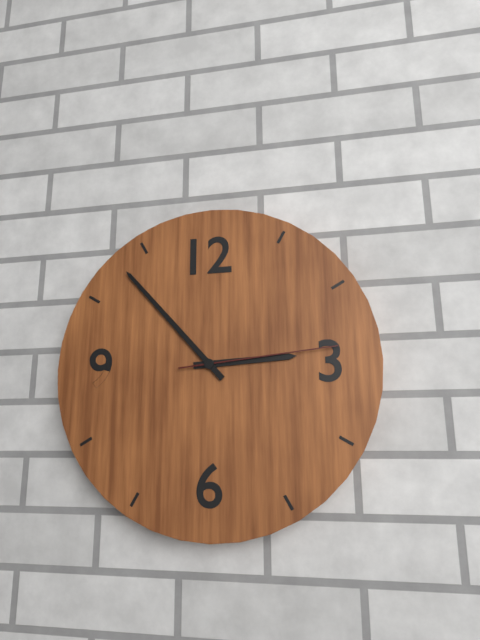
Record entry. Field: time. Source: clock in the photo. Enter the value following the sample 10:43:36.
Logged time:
2:53:14
